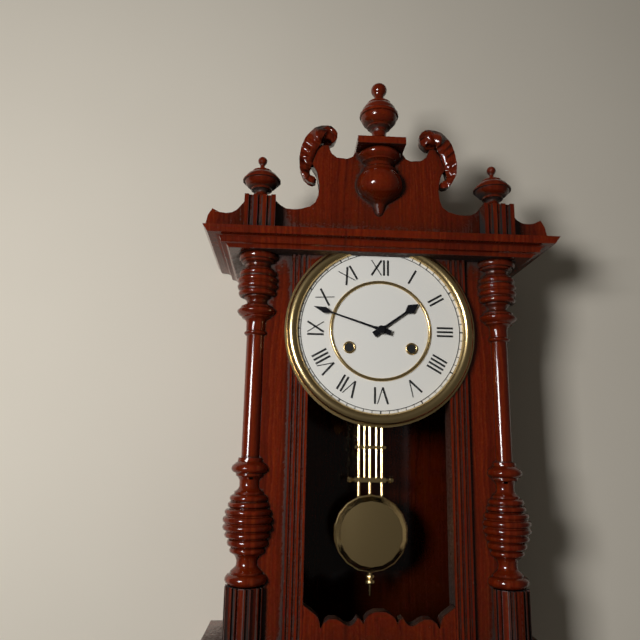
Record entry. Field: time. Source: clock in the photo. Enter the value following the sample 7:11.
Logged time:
1:48
